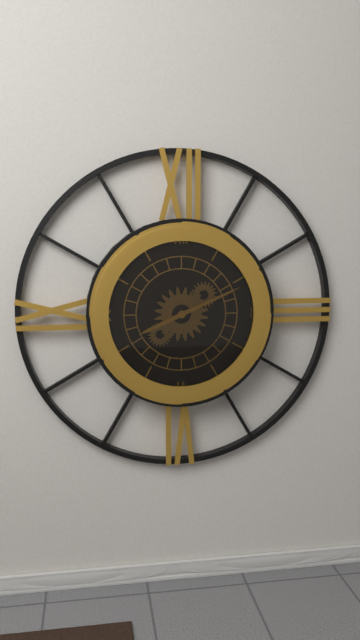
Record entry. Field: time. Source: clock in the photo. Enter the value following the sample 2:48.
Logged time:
8:11
